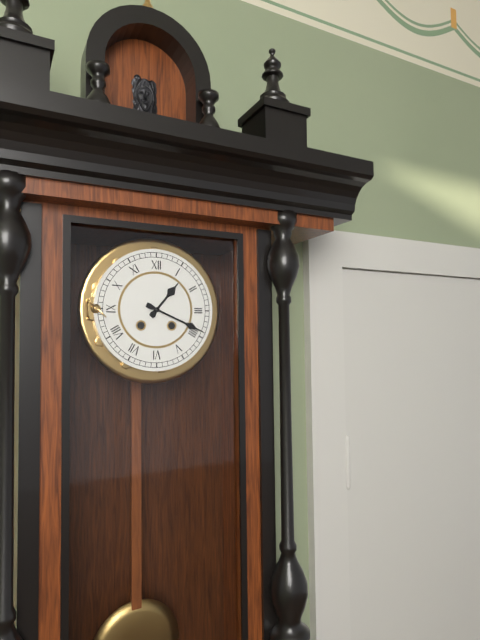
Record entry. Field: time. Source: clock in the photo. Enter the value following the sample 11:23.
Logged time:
1:19
